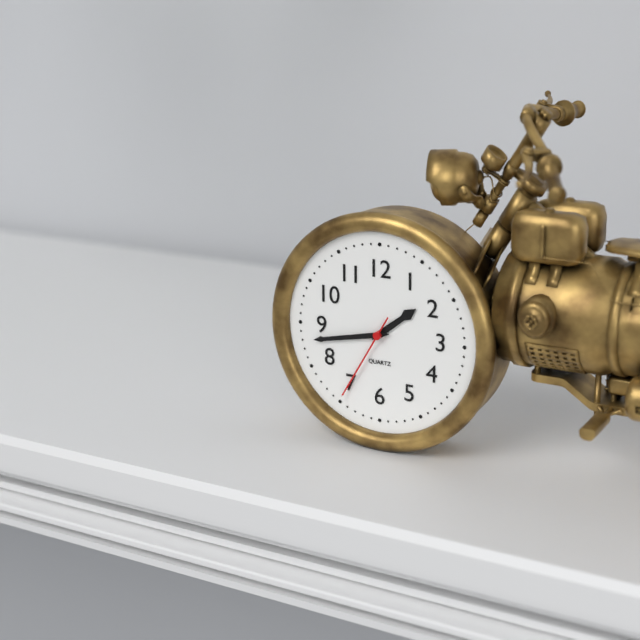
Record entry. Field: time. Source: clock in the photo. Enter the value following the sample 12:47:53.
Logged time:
1:43:35
